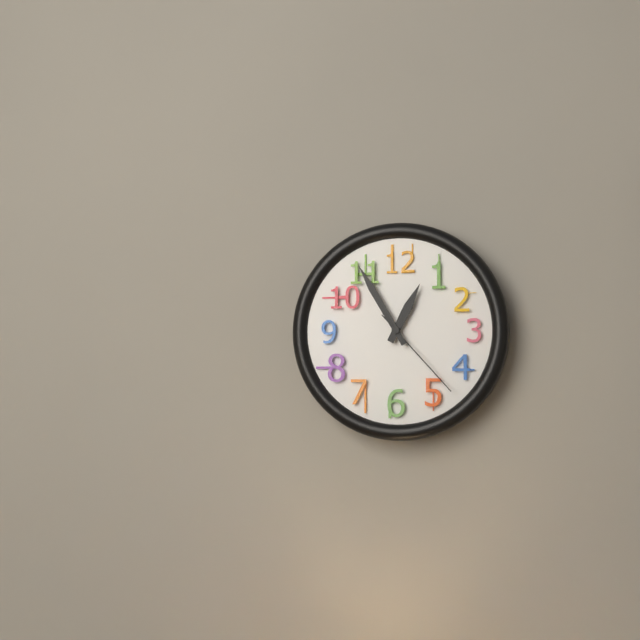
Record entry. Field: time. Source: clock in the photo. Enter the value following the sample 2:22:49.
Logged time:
12:55:23
